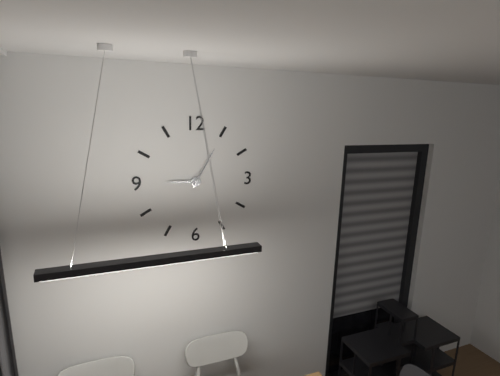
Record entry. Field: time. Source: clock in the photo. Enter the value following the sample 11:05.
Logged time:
9:05
